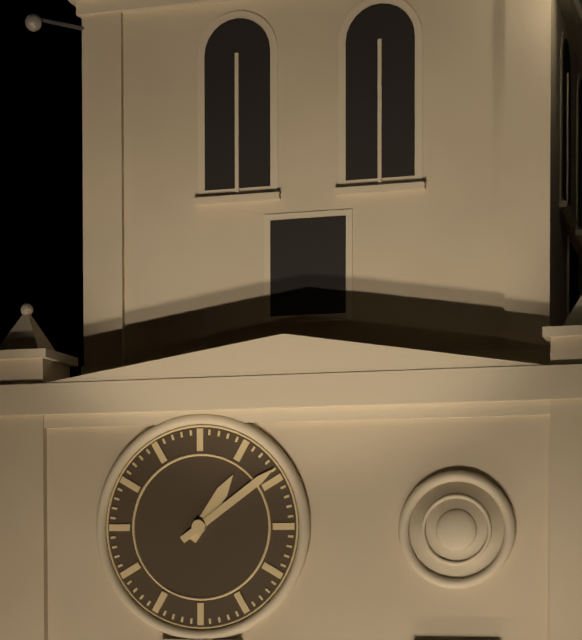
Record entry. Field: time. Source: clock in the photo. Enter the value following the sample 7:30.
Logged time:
1:09
